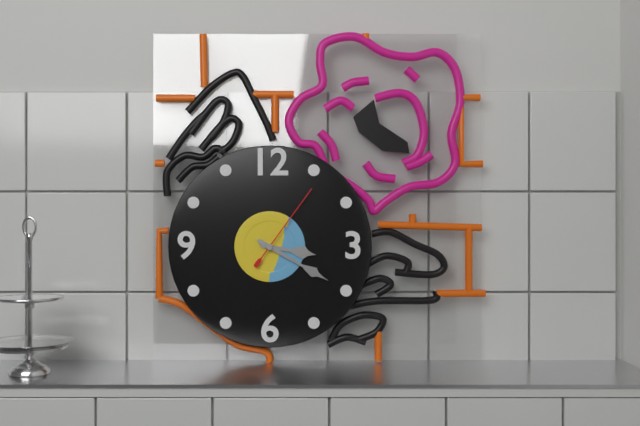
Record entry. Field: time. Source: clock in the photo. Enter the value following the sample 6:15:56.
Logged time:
3:20:06
